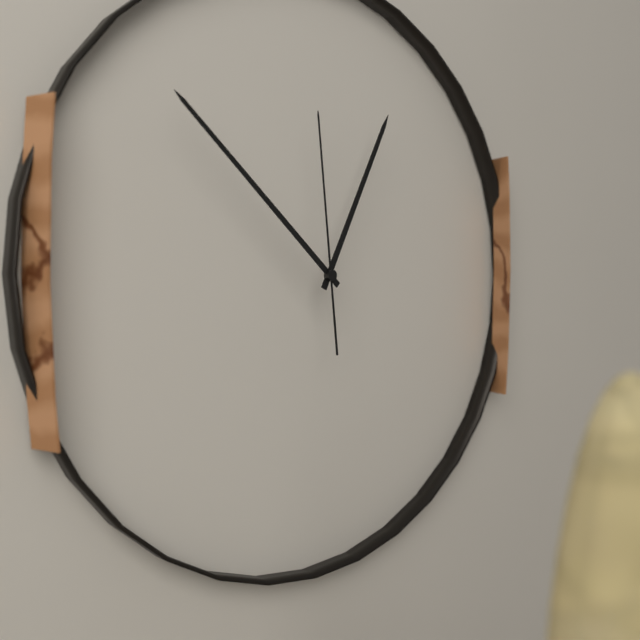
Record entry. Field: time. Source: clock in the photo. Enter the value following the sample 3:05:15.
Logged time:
12:52:59
